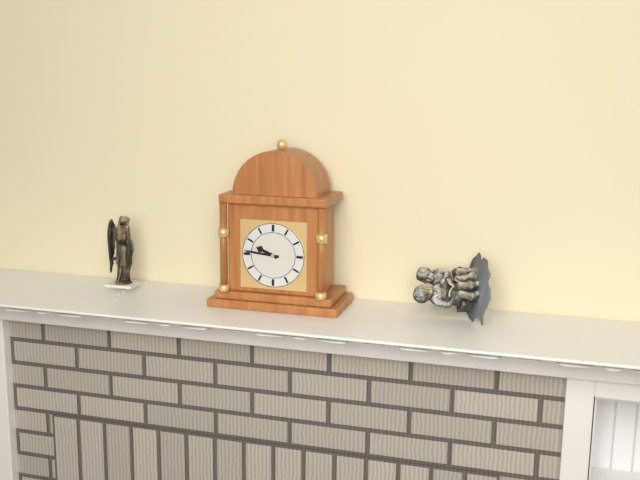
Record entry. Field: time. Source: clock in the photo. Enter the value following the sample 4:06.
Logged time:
9:46
